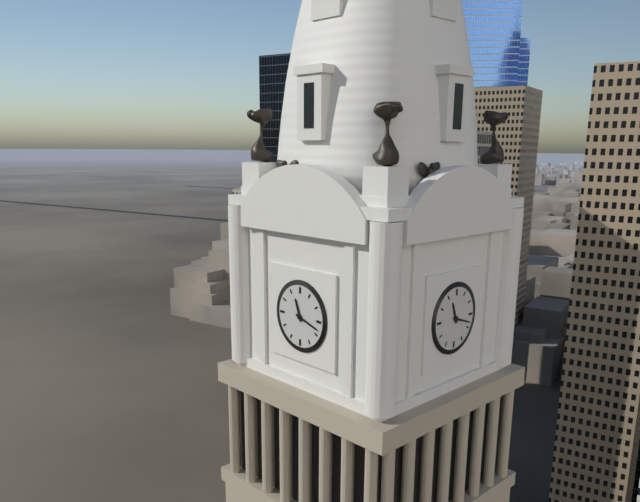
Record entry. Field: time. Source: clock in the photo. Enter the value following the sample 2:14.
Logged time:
11:18
